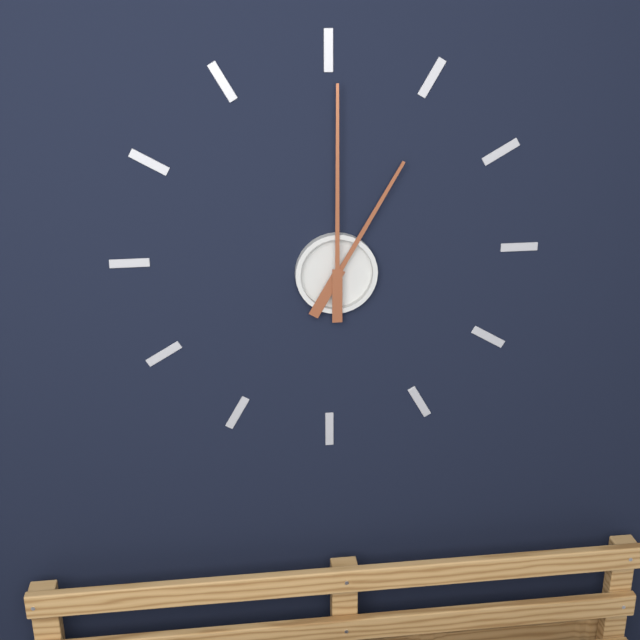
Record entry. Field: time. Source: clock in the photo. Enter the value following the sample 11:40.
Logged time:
1:00
